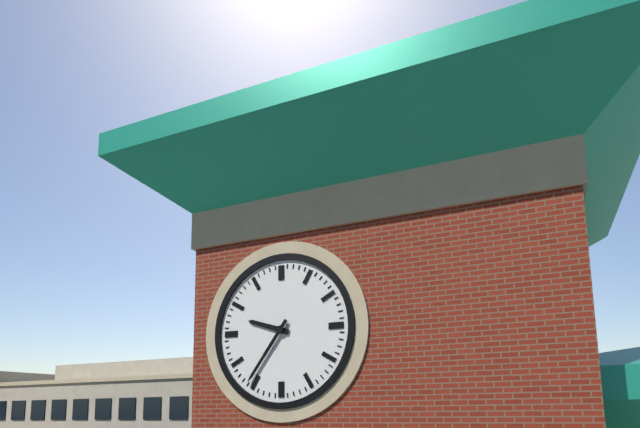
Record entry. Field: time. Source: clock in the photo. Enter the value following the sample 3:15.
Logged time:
9:36
